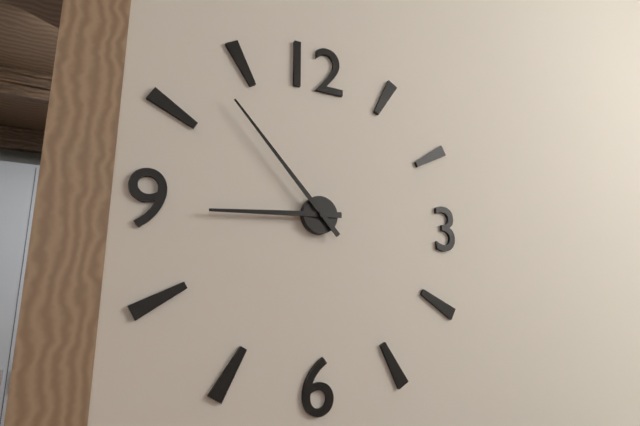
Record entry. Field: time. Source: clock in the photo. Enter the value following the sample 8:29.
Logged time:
8:53
